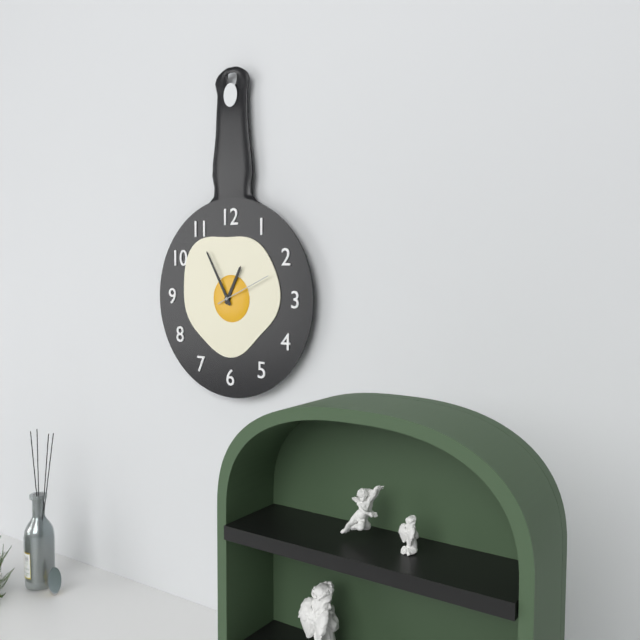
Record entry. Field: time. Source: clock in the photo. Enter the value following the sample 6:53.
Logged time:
12:55
